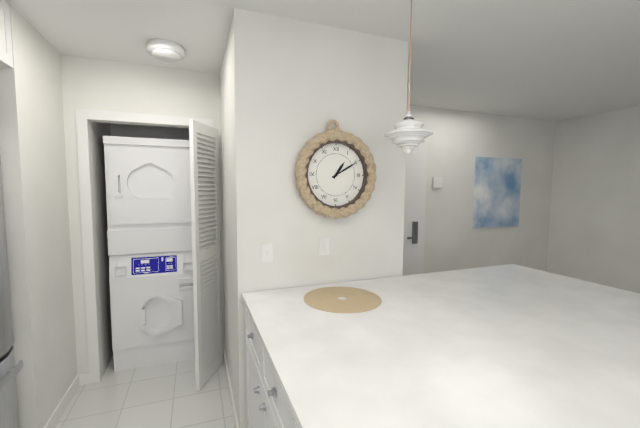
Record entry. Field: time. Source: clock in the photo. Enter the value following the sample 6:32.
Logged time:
1:10
